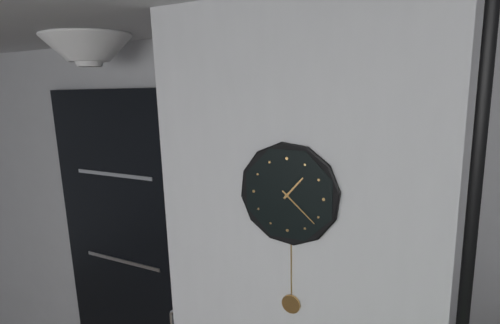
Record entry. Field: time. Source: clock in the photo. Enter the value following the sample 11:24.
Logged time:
1:22
